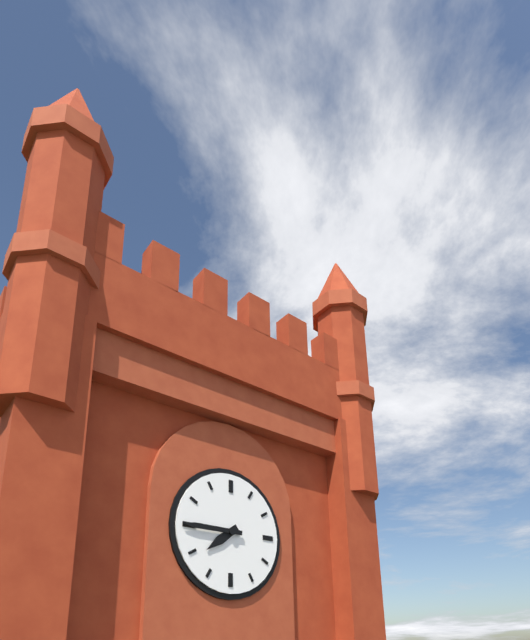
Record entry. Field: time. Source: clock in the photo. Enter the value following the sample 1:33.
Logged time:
7:45
